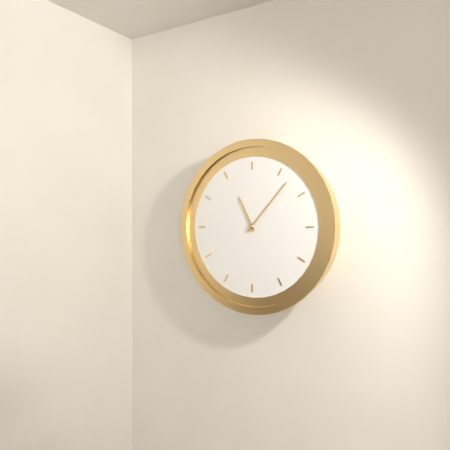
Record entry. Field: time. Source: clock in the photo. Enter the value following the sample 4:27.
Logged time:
11:07
